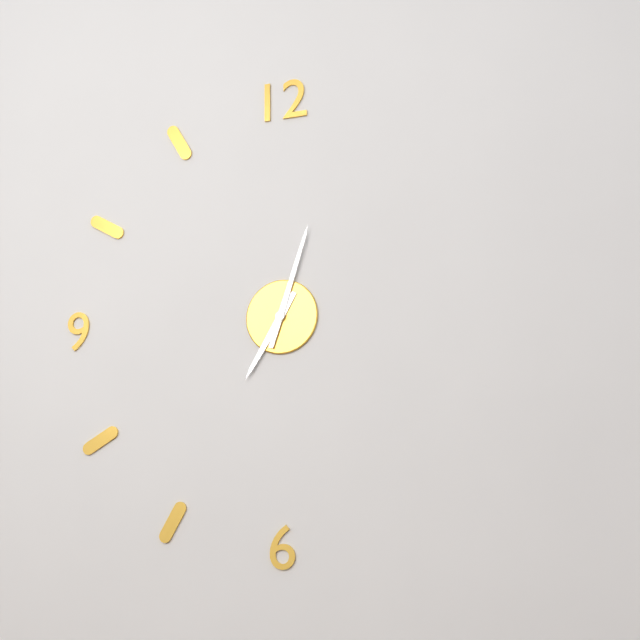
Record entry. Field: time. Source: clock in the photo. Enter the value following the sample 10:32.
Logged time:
7:03
